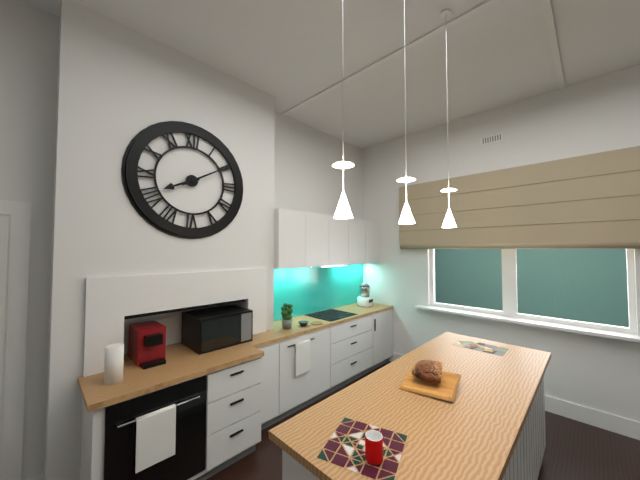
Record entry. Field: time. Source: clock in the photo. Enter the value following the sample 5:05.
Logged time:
8:10
